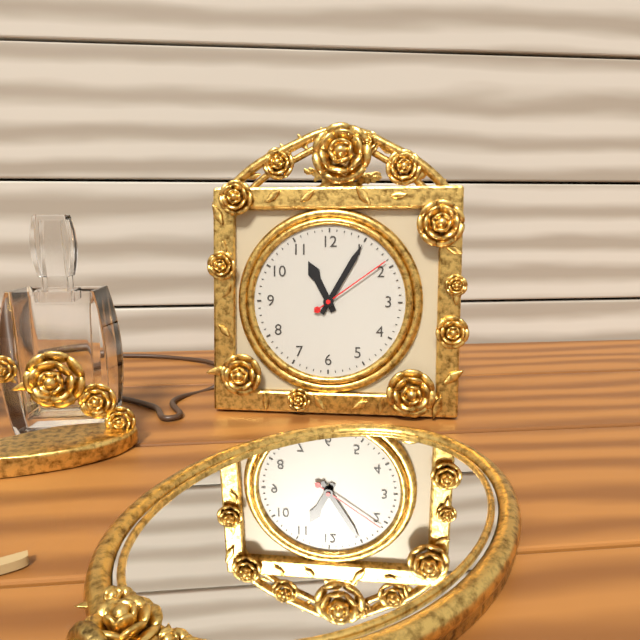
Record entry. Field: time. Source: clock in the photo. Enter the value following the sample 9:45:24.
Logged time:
11:05:09
